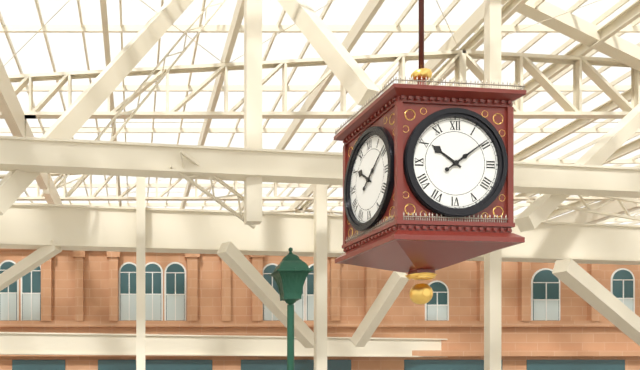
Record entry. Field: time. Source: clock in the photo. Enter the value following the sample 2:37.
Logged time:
10:09
